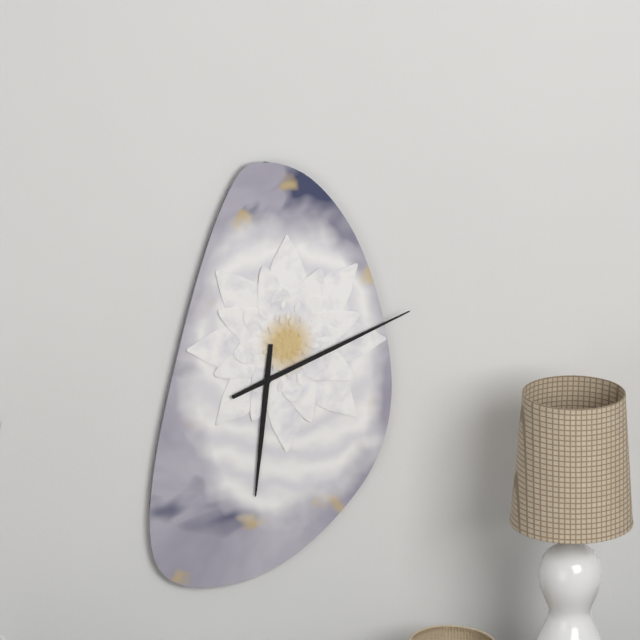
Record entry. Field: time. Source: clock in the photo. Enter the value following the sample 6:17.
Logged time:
6:11
